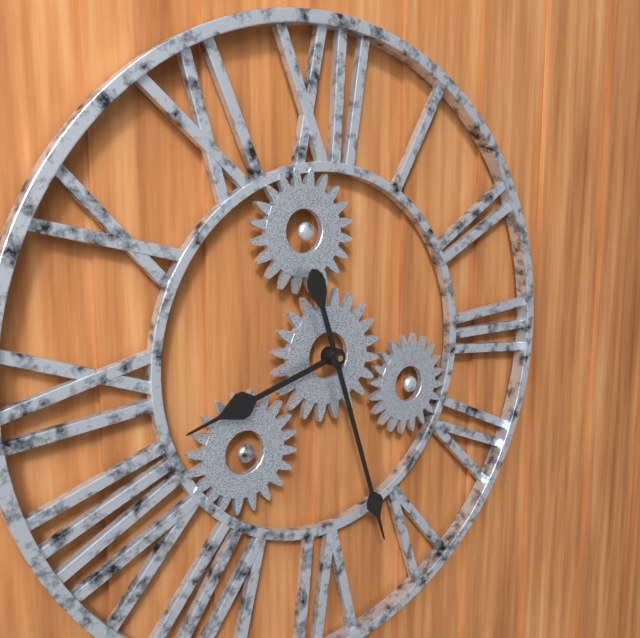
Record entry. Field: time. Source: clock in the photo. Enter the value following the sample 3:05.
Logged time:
8:27
